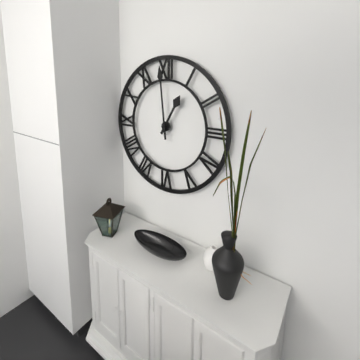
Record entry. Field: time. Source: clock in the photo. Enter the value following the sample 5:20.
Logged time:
12:59
